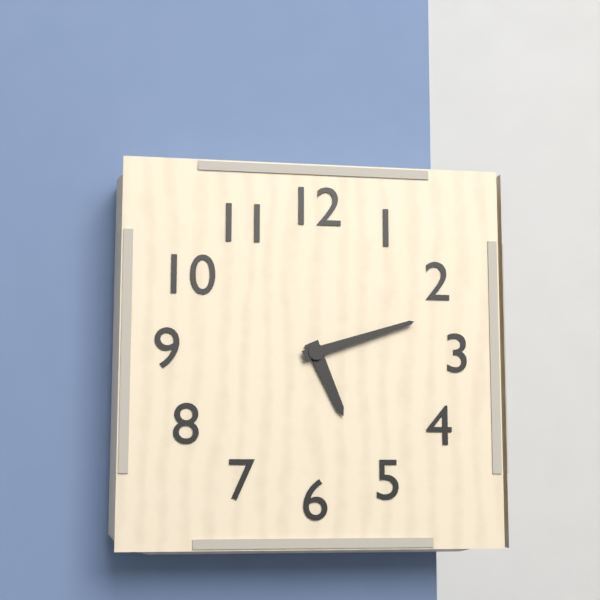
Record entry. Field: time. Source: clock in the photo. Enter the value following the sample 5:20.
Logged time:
5:12
